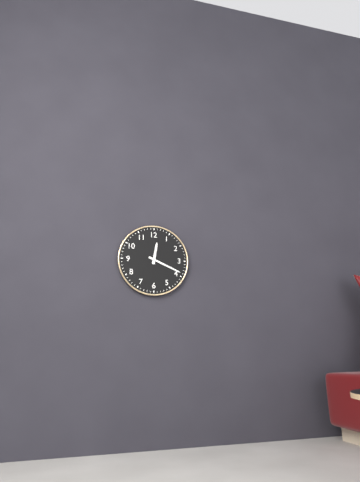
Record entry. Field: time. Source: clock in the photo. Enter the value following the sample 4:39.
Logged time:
12:19
